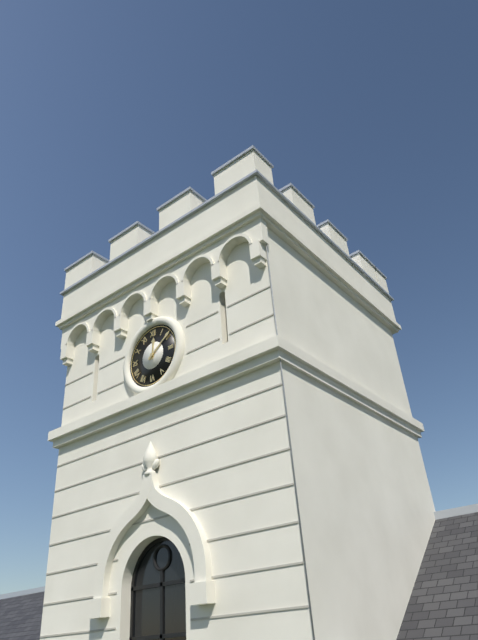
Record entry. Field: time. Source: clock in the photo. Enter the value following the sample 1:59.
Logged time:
12:09
